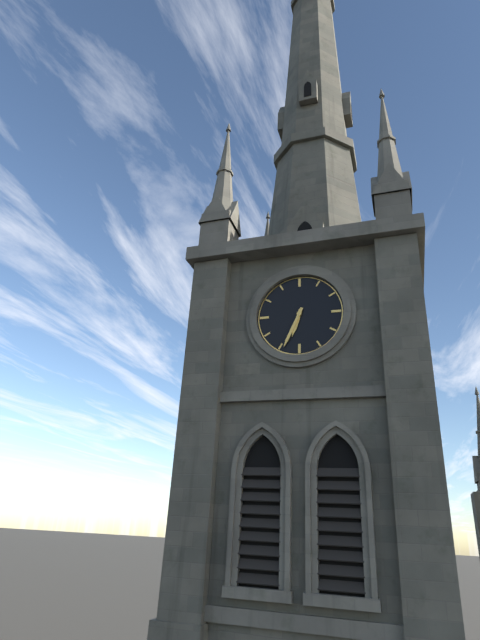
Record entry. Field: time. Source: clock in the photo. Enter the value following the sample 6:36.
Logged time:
6:34
